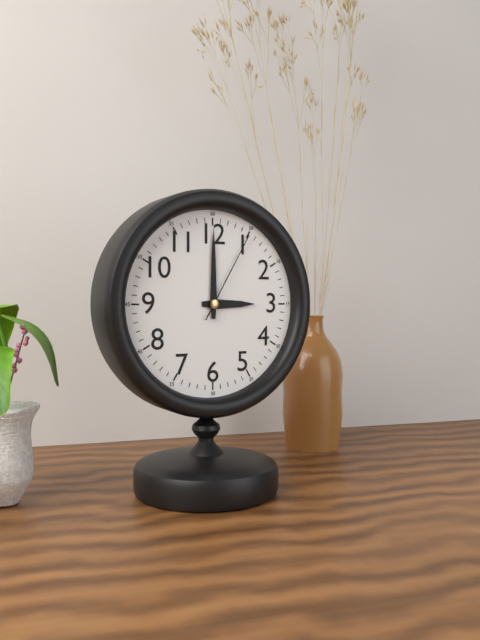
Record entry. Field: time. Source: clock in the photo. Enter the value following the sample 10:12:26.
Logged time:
3:00:05
